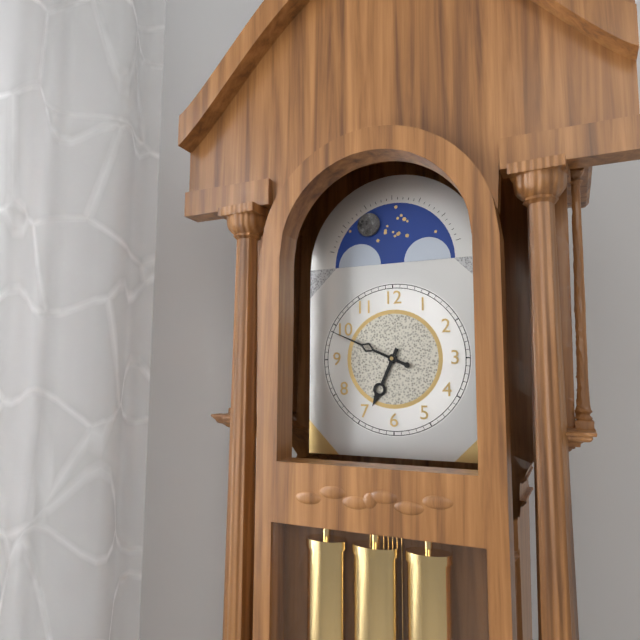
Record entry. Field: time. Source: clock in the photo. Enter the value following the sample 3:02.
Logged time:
6:49
